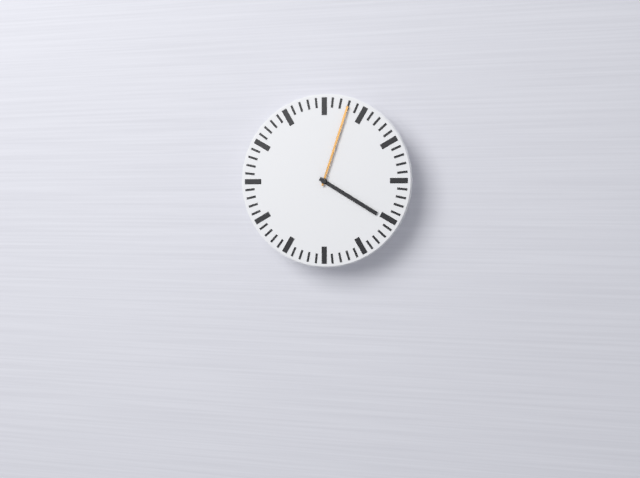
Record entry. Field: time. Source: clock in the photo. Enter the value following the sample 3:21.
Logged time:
4:03
